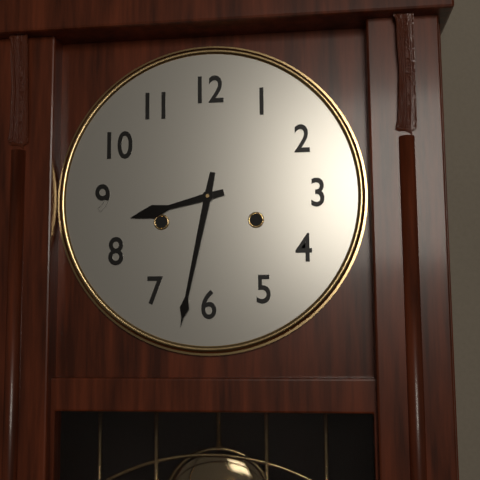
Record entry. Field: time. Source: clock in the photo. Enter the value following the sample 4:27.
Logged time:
8:32
